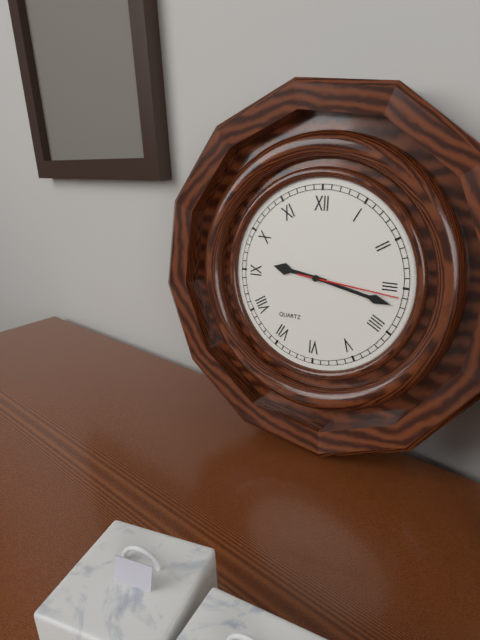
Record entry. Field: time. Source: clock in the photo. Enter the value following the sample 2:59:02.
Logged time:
9:17:16
